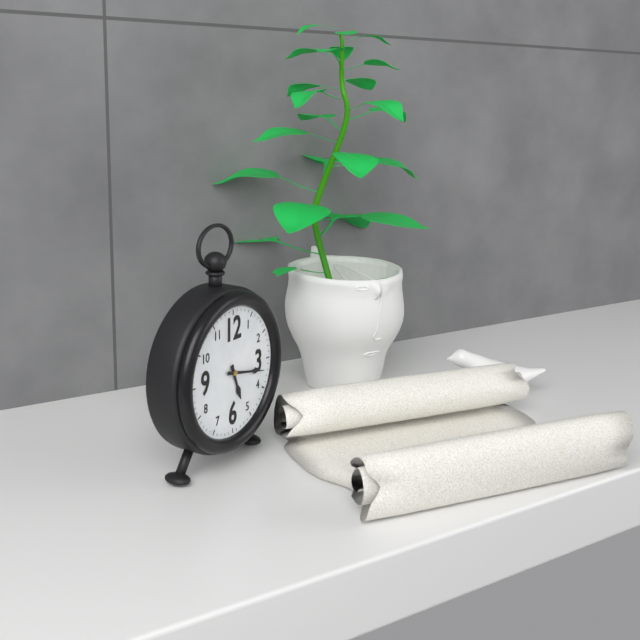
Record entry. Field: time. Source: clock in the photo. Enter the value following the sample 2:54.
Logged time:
5:17
